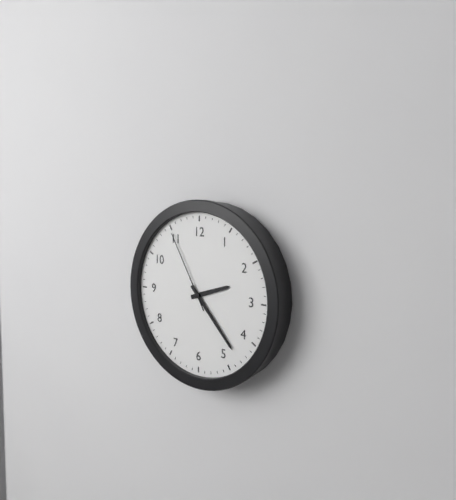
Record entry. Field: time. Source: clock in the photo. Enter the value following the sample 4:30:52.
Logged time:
2:23:55
